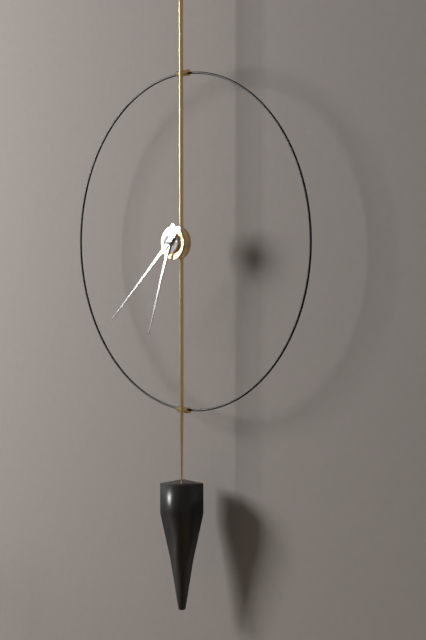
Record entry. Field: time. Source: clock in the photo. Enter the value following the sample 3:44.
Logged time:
6:38
